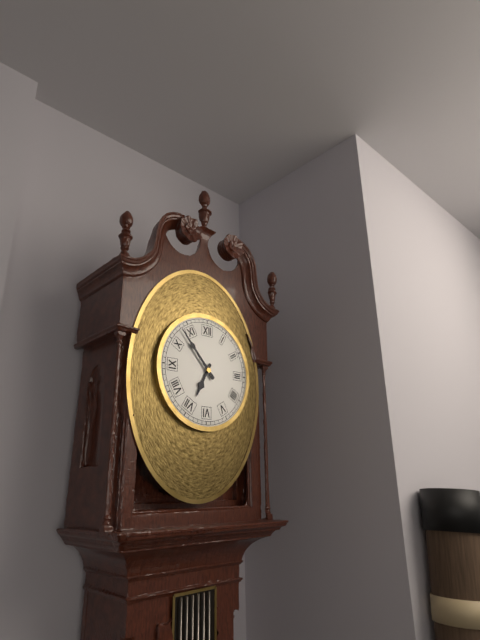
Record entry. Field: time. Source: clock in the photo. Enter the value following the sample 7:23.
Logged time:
6:53
